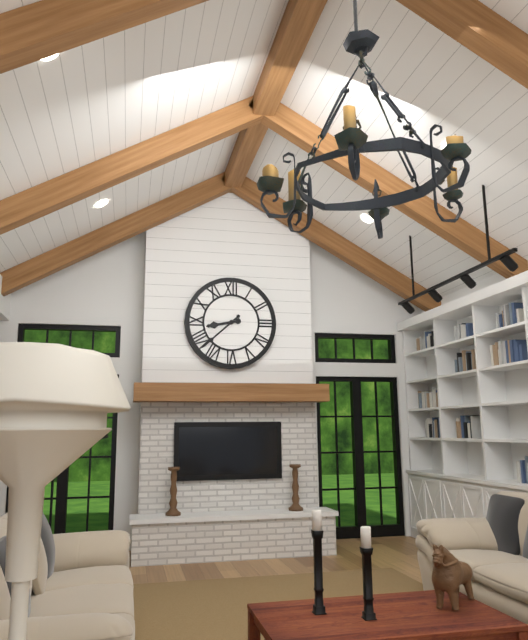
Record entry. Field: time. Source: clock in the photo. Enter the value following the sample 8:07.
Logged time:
8:38
